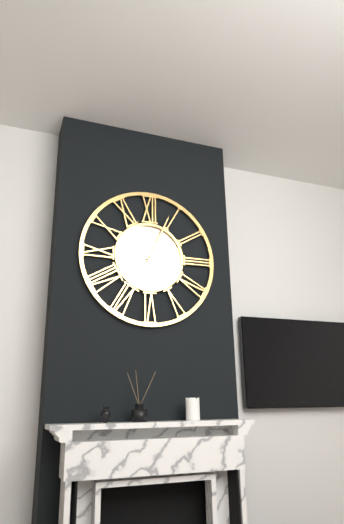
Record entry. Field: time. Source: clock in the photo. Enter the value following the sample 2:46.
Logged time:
8:04
